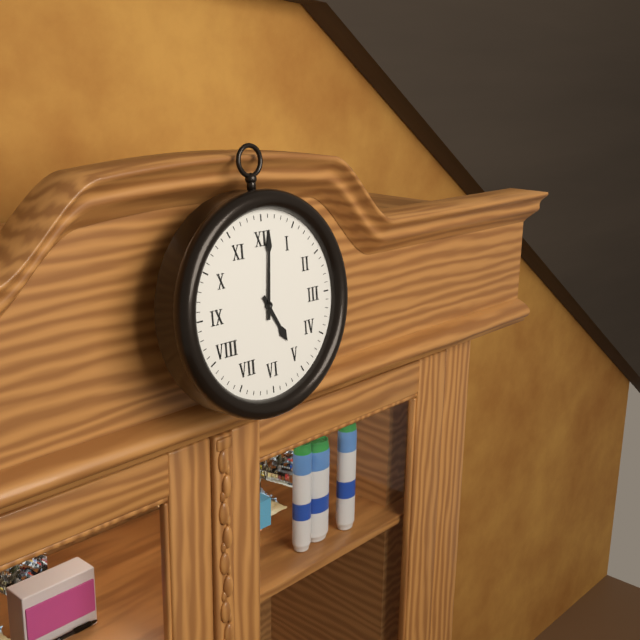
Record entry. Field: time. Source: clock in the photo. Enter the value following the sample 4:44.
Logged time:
5:01
